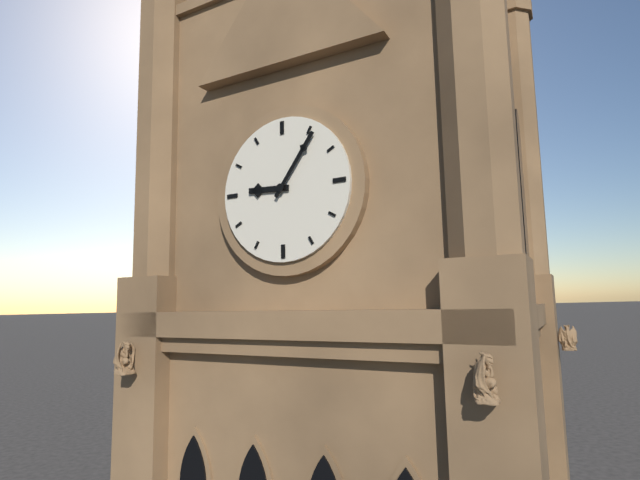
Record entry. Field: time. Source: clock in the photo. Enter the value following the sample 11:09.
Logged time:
9:06
